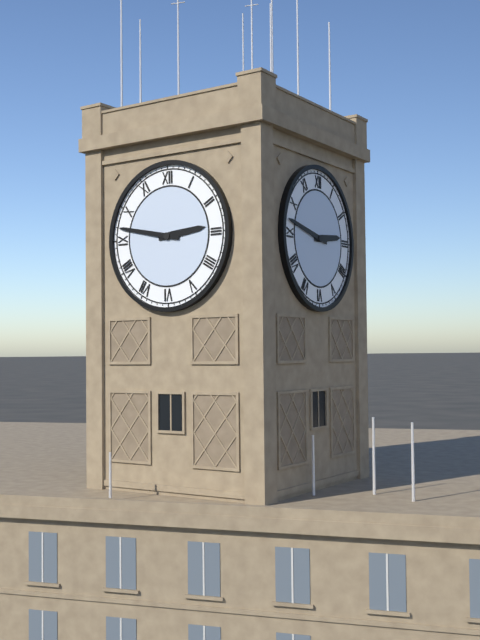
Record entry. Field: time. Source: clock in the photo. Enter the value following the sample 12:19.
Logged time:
2:47
